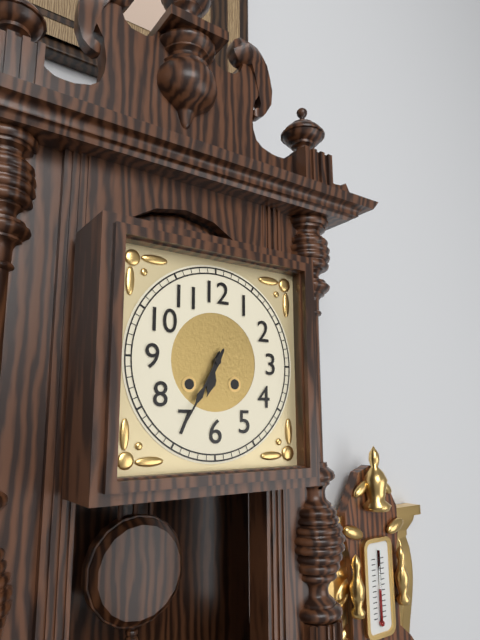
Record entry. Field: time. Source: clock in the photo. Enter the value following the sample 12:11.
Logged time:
6:35
